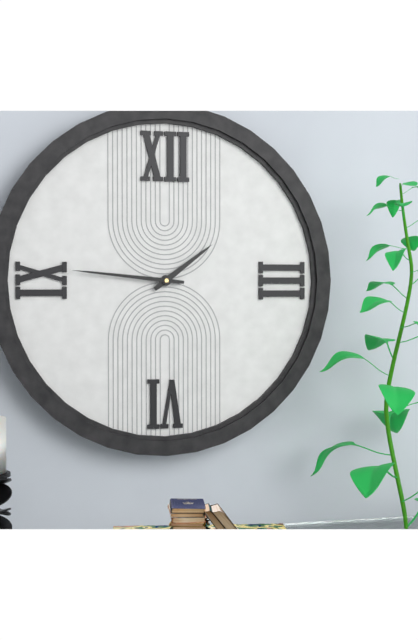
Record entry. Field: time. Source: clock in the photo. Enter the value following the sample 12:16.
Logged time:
1:46
